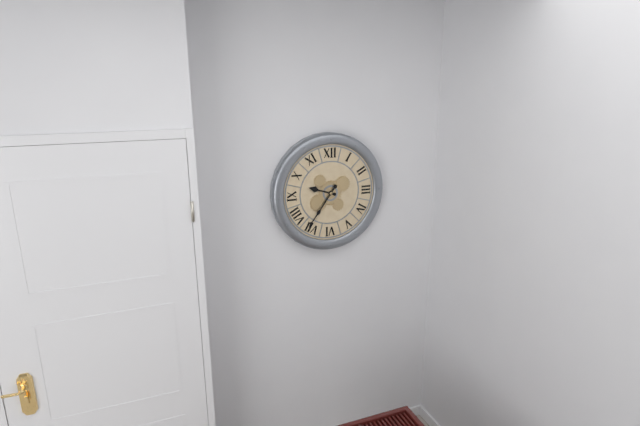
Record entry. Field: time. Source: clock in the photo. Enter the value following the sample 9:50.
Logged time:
9:36
